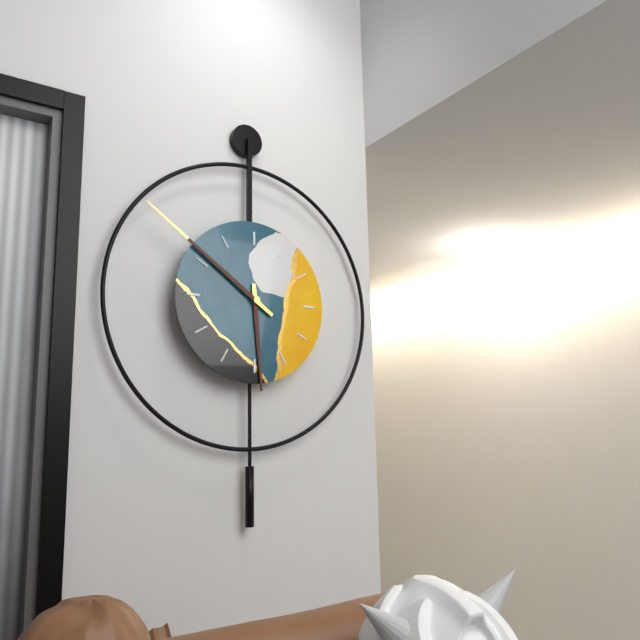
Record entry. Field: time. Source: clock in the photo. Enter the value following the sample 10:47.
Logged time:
5:51
